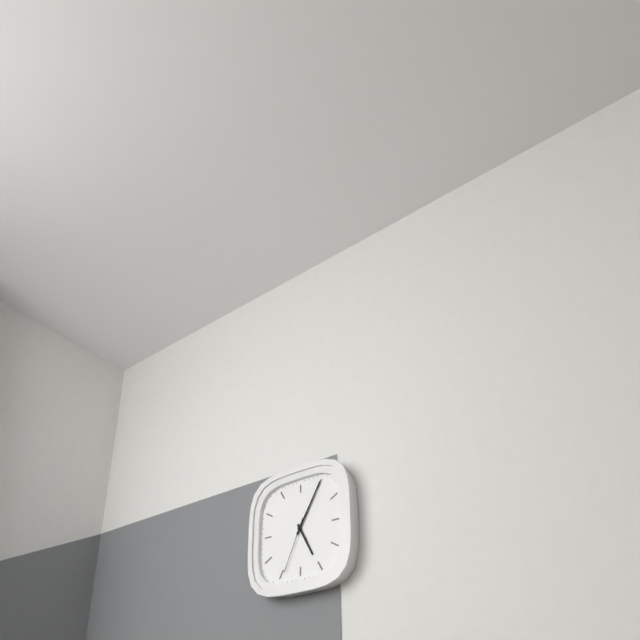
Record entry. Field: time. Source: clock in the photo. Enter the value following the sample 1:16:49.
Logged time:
5:05:34
